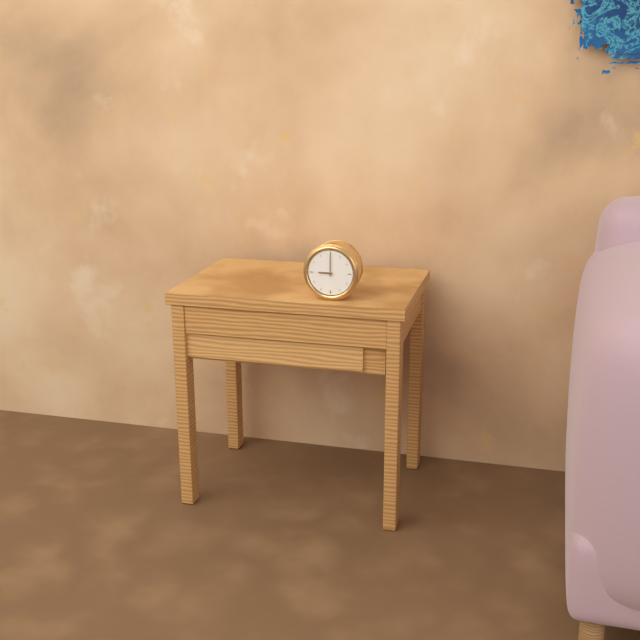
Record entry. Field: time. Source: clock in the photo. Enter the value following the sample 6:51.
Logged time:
9:00
